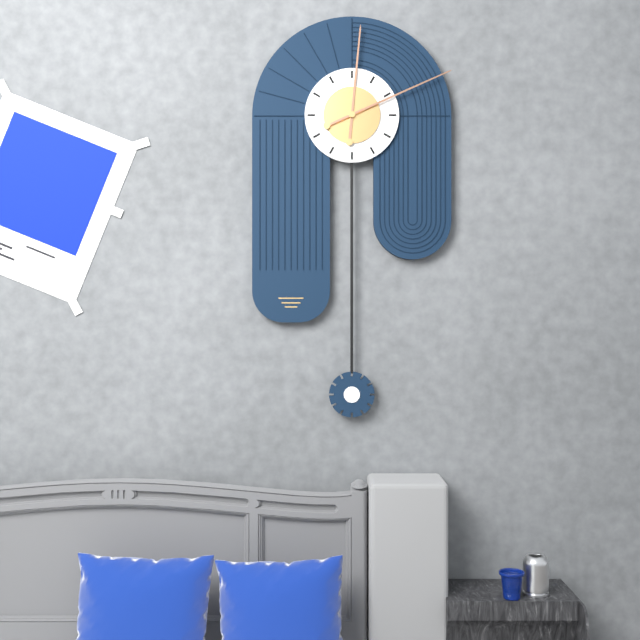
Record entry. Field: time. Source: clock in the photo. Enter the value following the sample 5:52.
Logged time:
12:11
